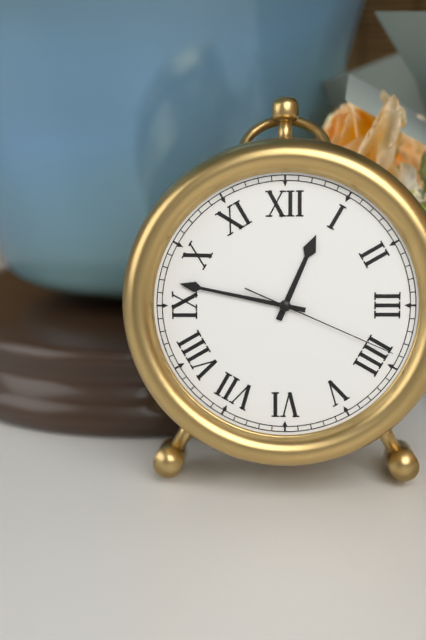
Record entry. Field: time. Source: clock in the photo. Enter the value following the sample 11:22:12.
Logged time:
12:47:19
